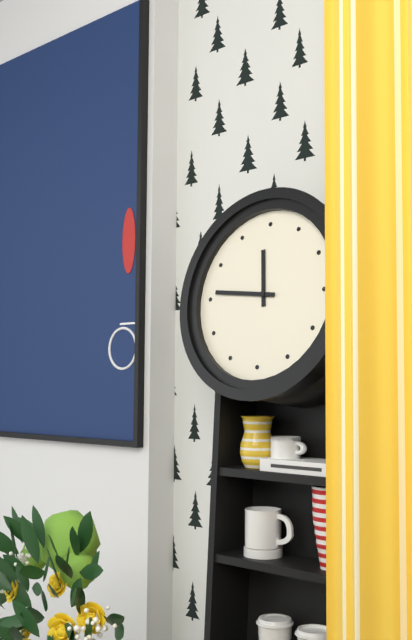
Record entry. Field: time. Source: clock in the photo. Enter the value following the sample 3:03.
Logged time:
11:46
